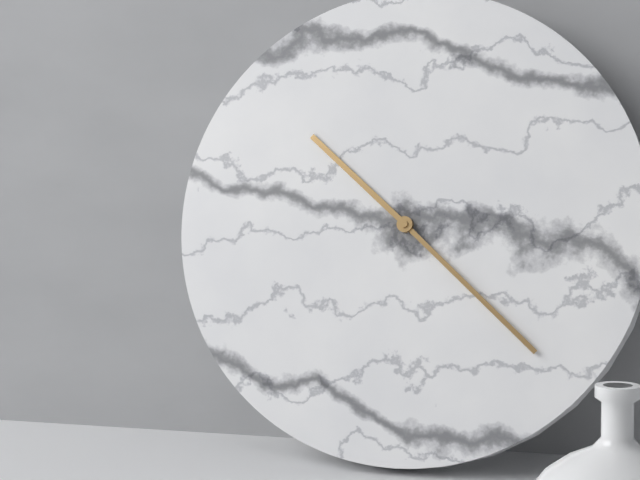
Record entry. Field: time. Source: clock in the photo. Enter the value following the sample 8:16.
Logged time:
10:22
